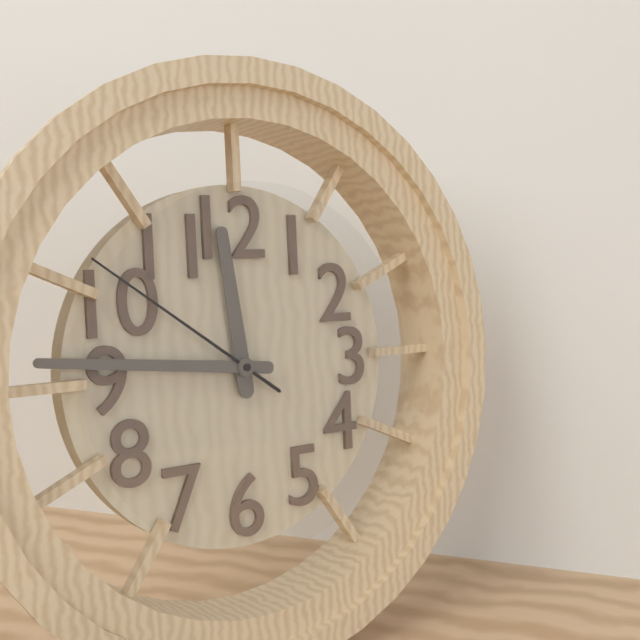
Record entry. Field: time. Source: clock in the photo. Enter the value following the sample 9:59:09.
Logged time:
11:46:51
